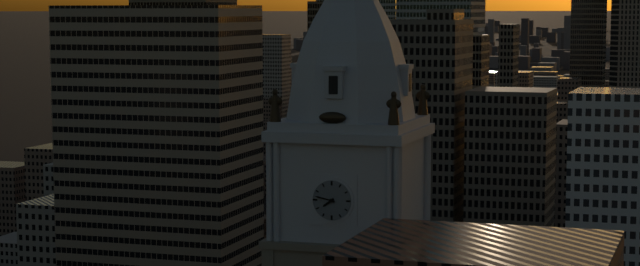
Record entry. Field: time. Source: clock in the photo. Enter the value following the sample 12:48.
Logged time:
7:47
